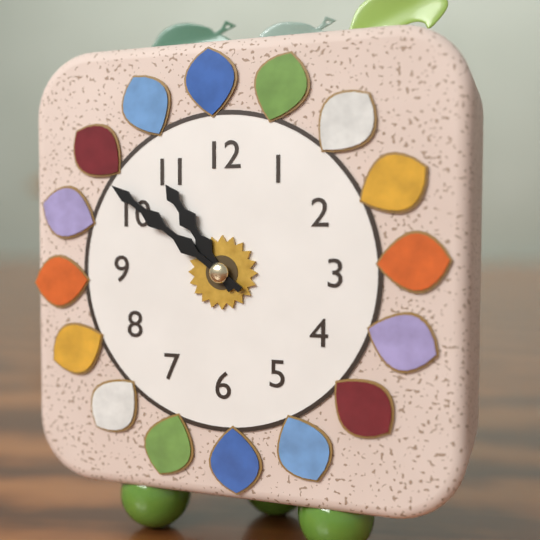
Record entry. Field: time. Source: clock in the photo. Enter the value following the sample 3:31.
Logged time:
10:51
